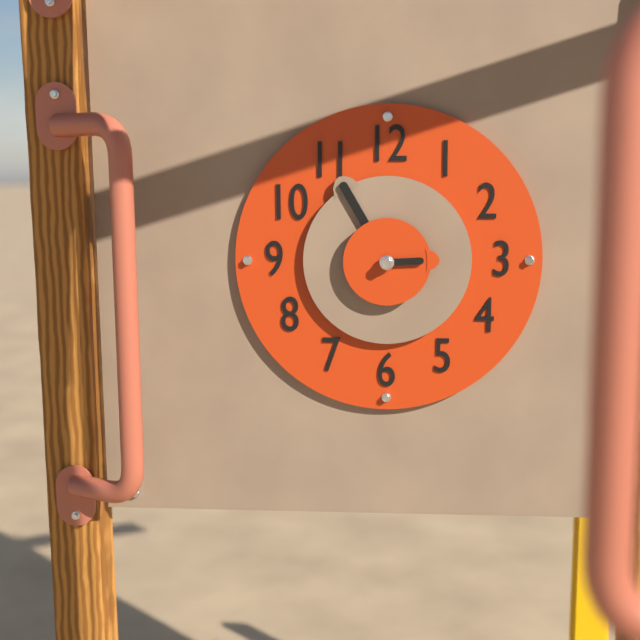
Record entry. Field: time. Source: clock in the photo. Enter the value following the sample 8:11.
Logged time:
2:55
